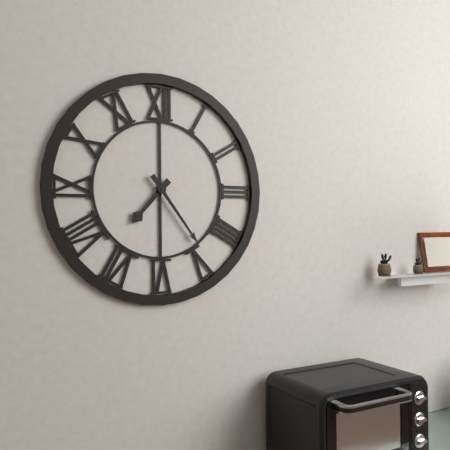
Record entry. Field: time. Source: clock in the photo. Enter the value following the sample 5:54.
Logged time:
7:24
